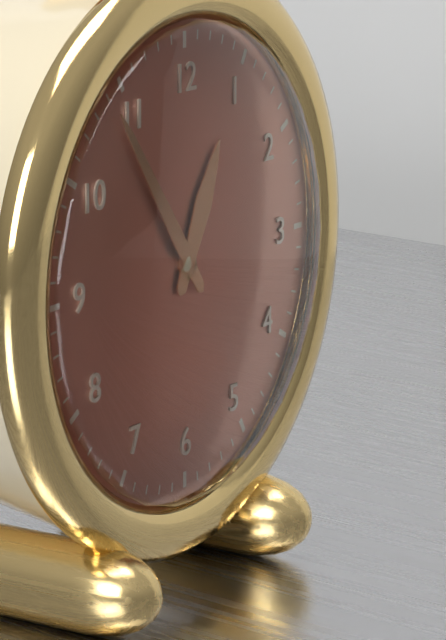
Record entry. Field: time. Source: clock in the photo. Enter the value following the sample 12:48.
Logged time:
12:54
